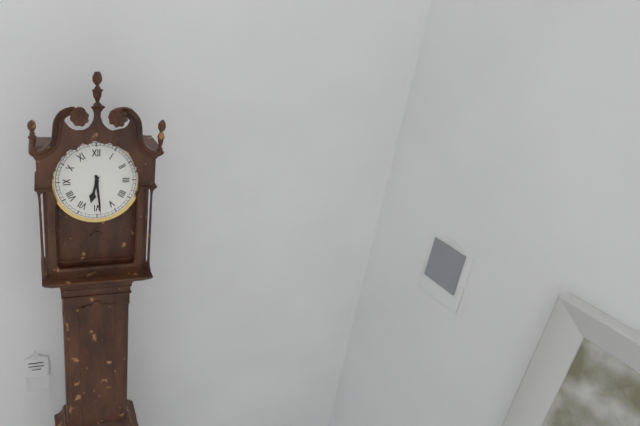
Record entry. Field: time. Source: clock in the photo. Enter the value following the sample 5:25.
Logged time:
6:29
